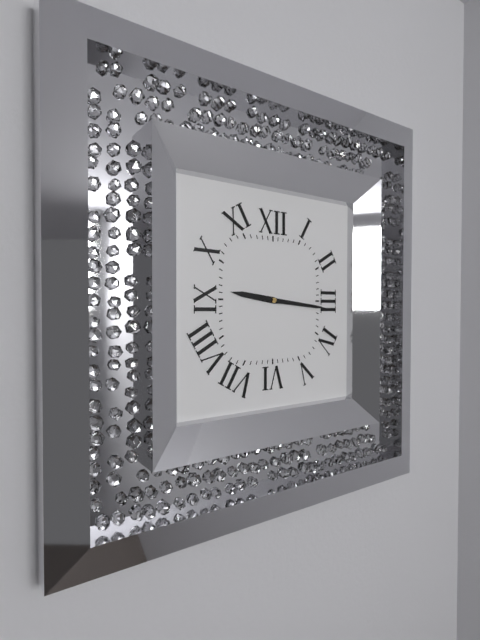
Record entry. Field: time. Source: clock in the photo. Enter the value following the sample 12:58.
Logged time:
9:16
